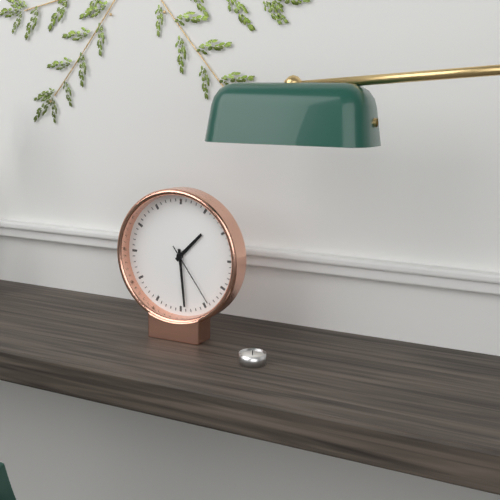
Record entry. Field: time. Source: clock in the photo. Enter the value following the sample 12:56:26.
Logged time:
1:29:24
